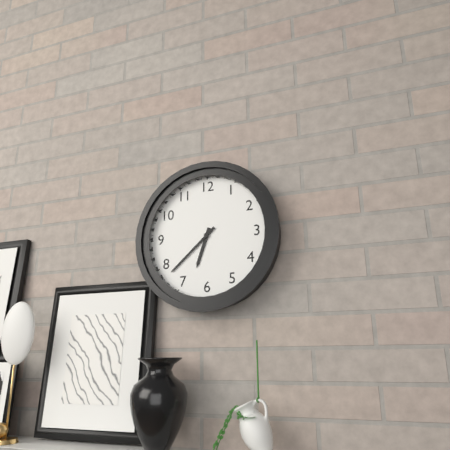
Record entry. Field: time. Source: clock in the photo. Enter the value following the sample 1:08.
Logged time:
6:38
